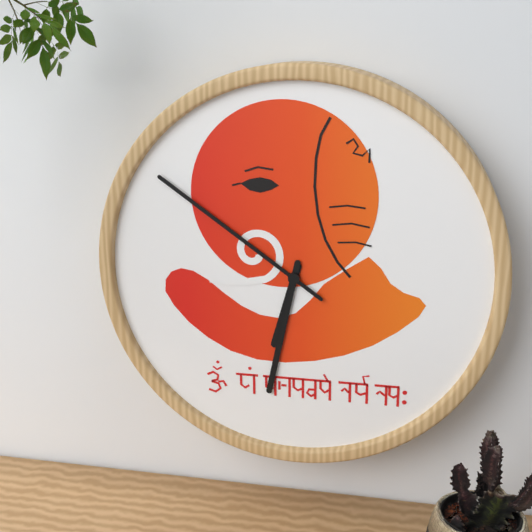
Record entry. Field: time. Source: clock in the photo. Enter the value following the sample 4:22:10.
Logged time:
6:32:51
